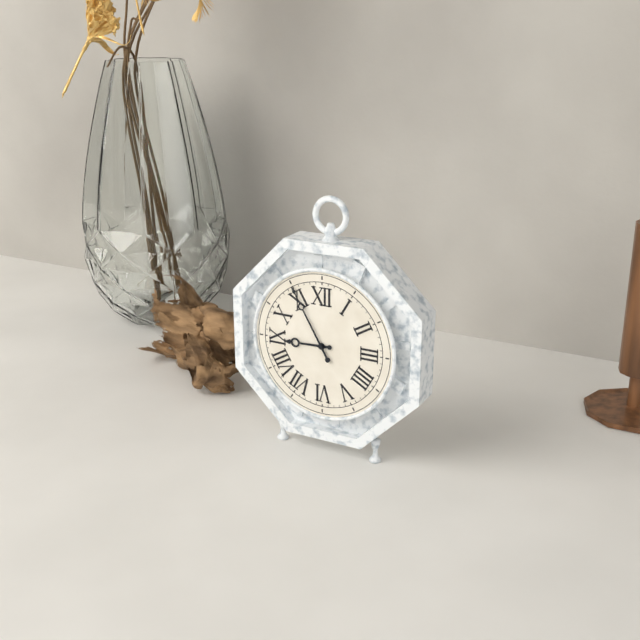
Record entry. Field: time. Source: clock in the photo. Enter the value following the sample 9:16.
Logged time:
8:55
